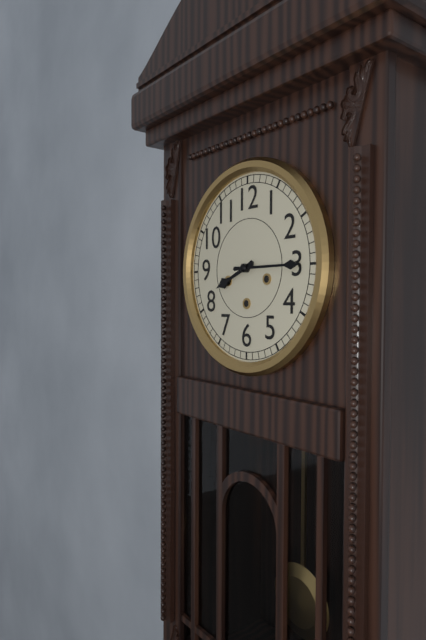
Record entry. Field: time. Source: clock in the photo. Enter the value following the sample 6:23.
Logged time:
8:15
